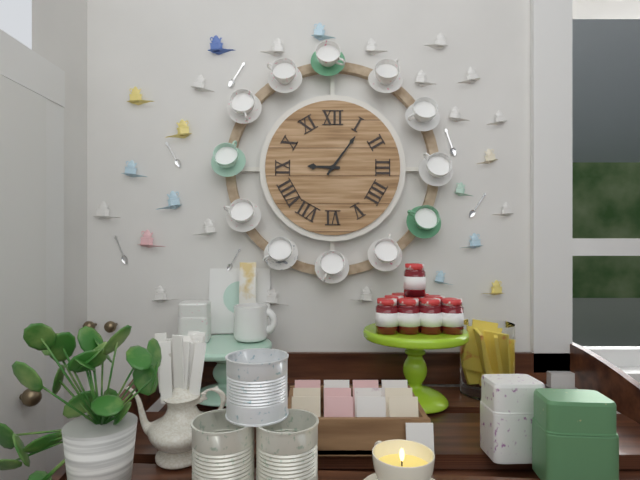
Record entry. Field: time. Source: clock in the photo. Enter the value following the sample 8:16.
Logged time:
9:06
